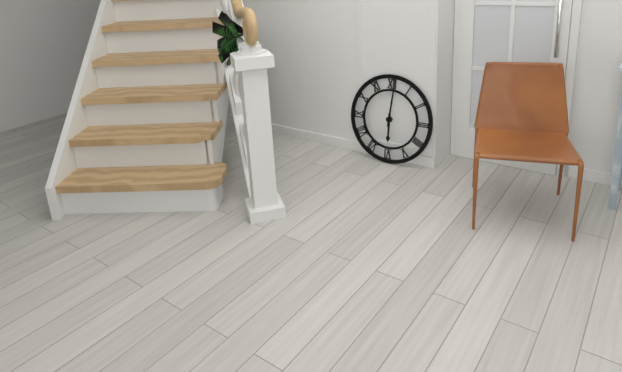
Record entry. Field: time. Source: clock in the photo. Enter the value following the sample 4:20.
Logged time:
6:01
